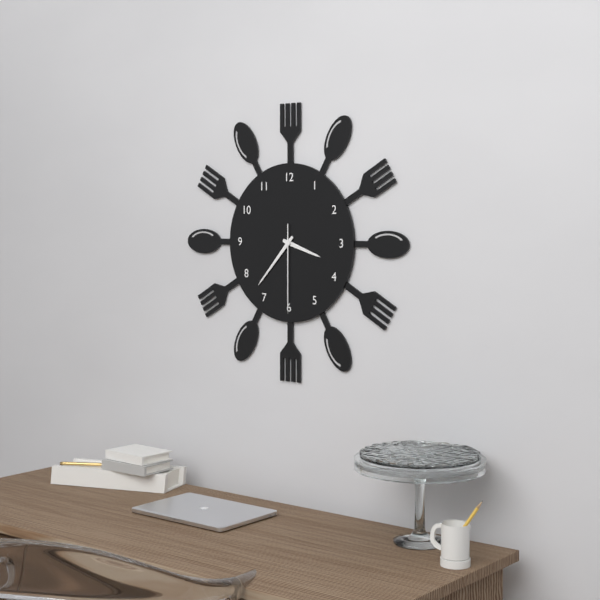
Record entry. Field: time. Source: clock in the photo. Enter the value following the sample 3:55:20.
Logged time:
3:37:30
